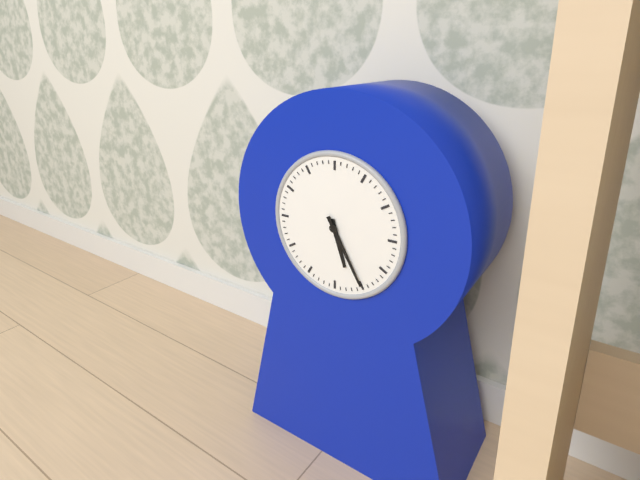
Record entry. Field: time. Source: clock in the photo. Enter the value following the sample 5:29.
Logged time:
5:25
